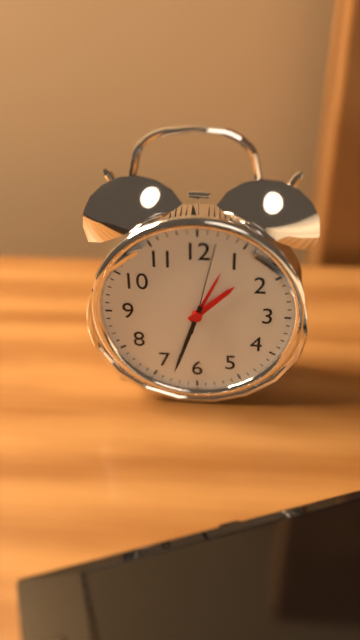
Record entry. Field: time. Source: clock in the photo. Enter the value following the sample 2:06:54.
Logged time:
1:33:02
